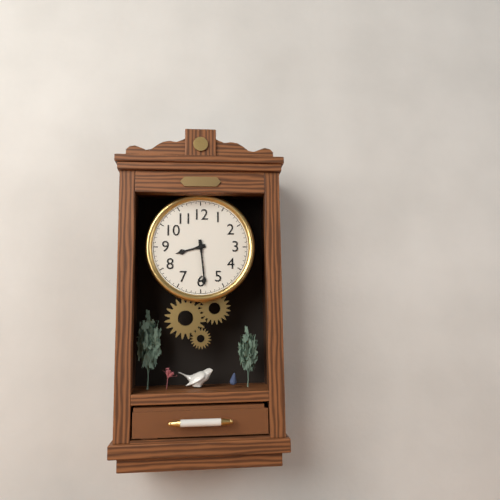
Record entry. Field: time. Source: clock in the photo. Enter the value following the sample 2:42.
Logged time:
8:29
